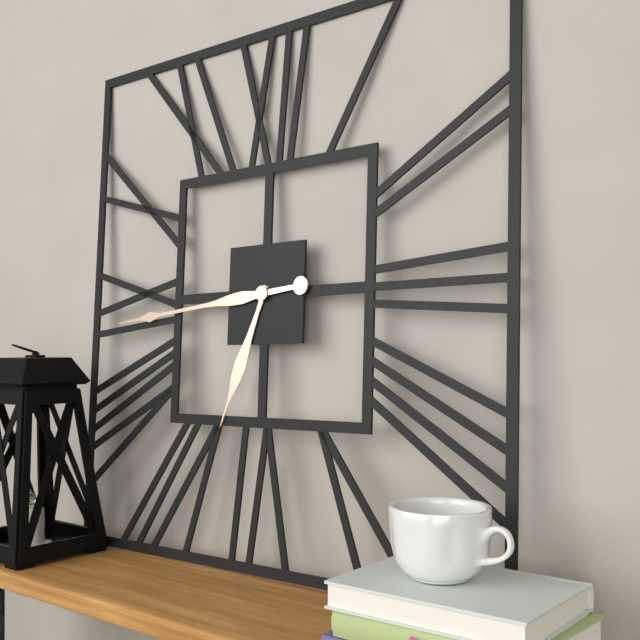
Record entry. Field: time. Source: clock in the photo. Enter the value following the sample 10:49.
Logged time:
6:44
